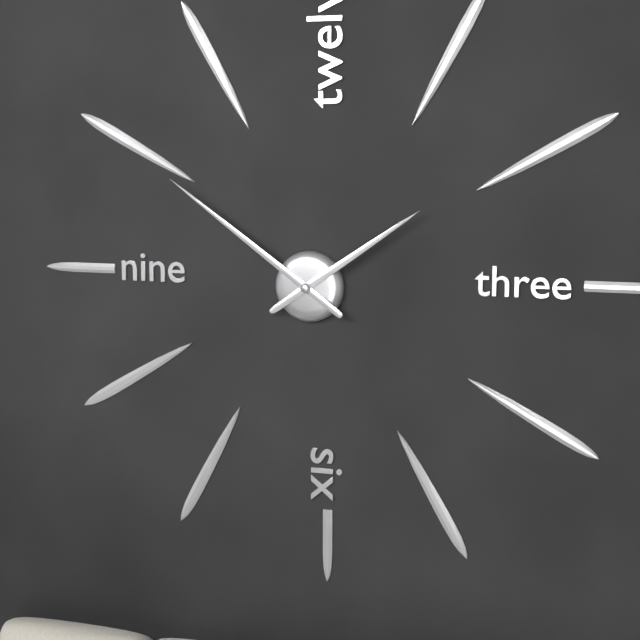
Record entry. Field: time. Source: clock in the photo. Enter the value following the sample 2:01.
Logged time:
1:51
